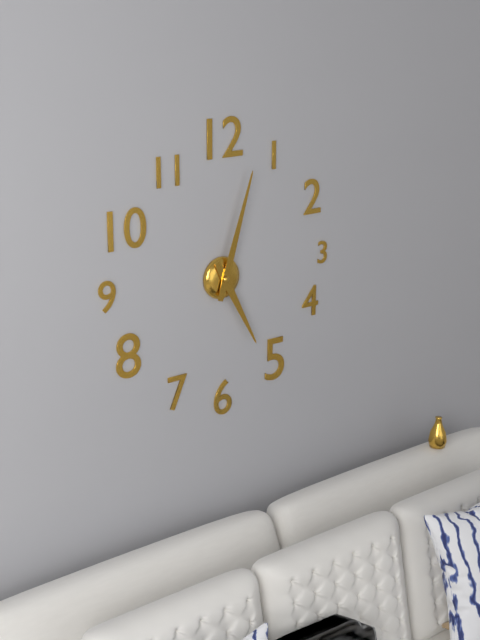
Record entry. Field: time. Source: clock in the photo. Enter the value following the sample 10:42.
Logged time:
5:03
